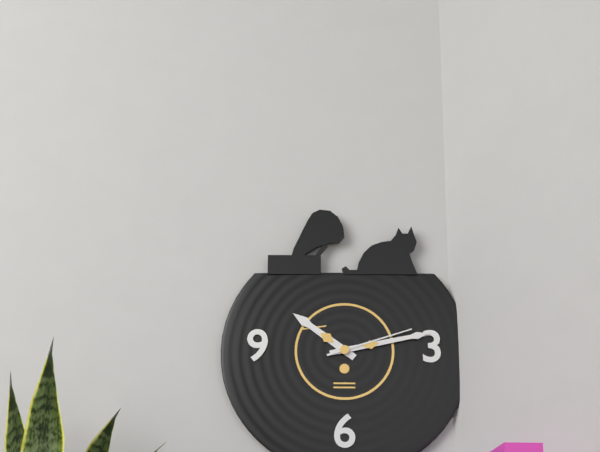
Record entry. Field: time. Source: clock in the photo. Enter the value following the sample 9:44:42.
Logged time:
10:13:12
